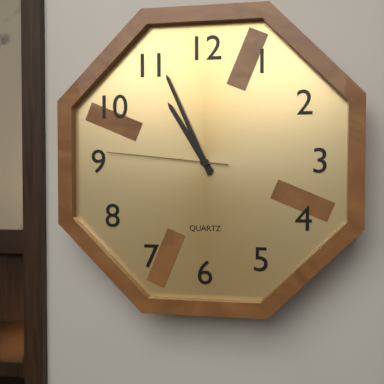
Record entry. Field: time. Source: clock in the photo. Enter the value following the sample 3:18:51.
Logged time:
10:56:46
